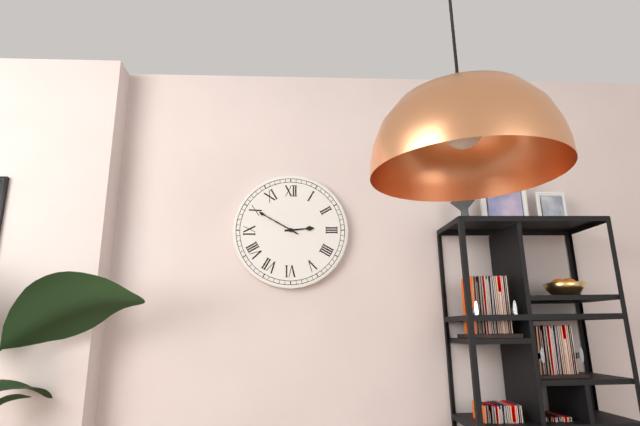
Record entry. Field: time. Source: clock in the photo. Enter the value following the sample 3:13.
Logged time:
2:50
